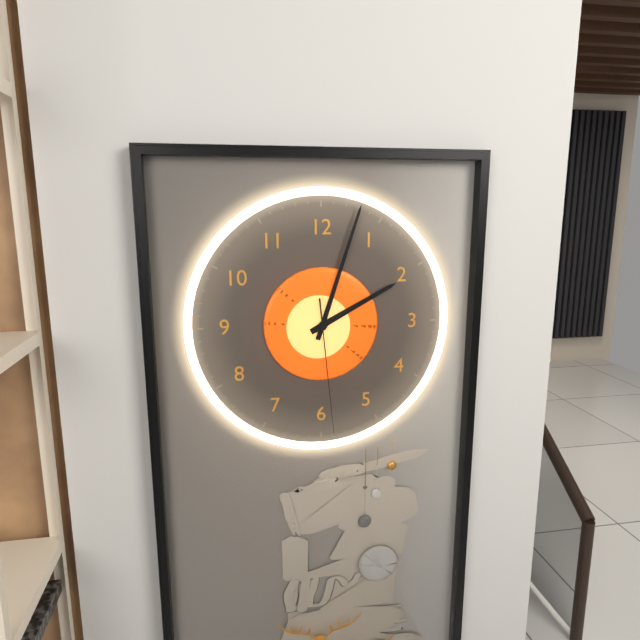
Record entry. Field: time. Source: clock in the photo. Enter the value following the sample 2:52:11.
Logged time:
2:03:29
